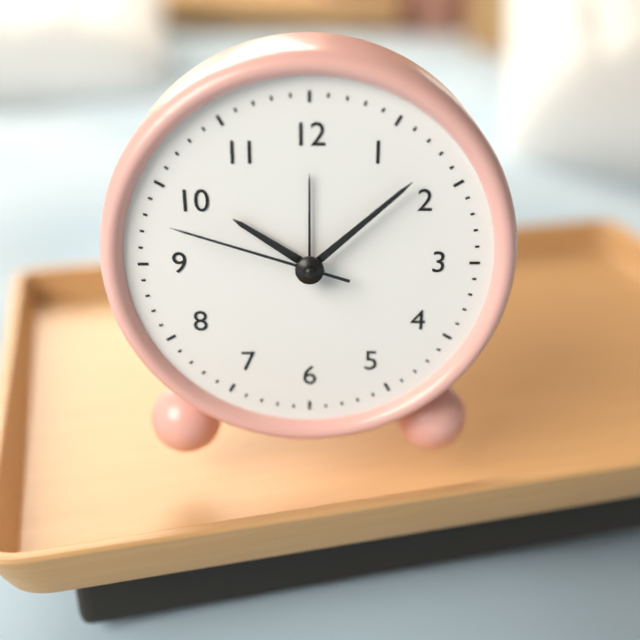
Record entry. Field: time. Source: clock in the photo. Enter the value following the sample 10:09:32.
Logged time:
10:08:48
